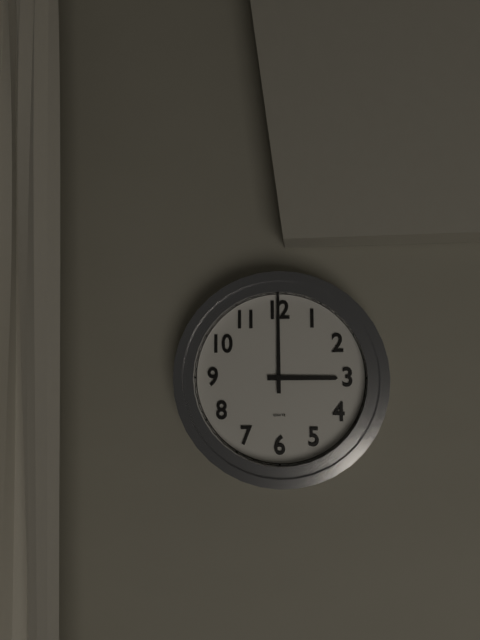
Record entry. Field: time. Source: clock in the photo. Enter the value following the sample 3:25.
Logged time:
3:00
